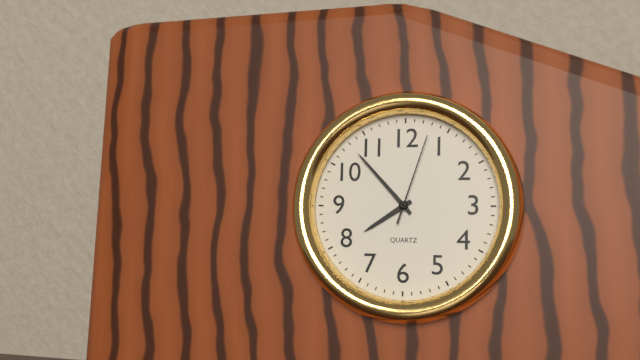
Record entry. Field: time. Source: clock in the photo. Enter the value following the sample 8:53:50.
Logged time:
7:53:03
